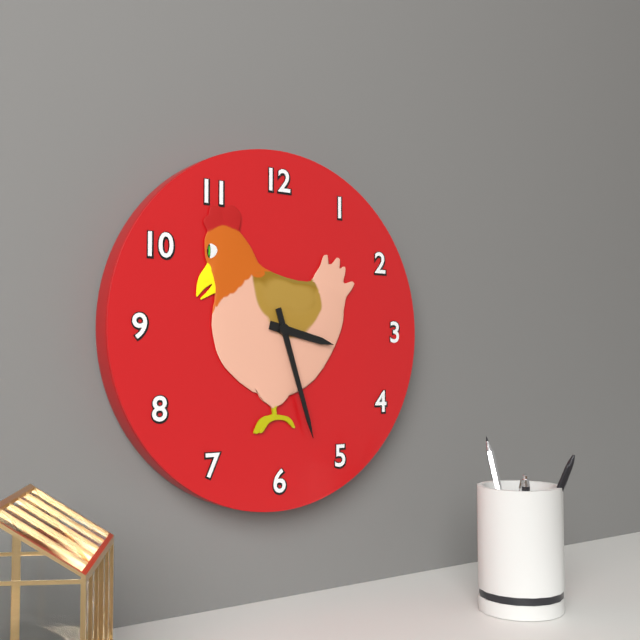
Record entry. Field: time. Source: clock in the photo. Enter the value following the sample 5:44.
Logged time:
3:27
